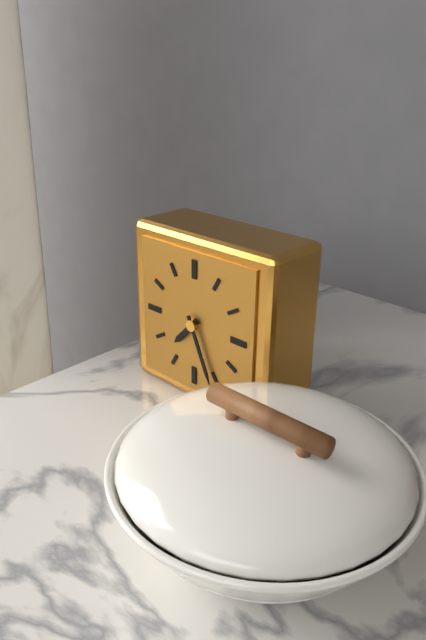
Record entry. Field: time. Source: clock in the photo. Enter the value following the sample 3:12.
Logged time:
7:26
